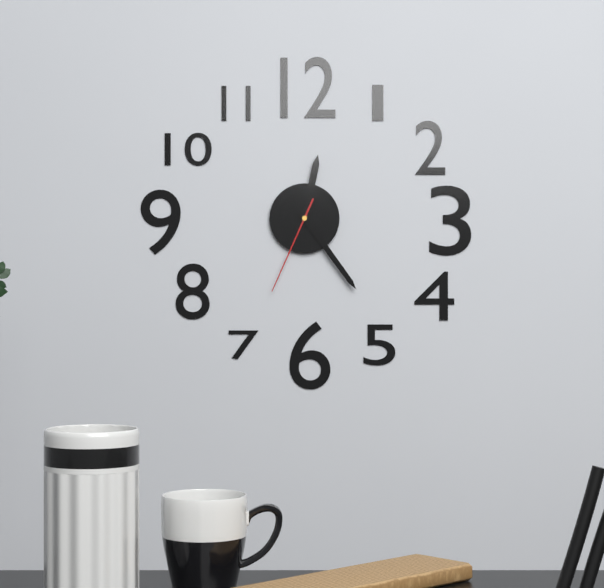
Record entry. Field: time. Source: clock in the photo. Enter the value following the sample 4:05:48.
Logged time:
12:24:34
